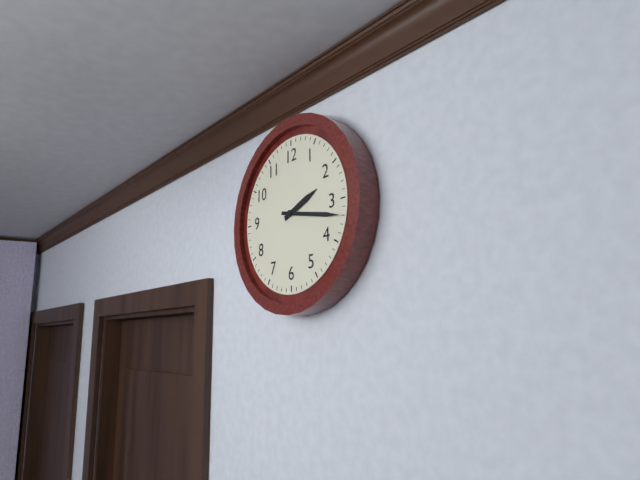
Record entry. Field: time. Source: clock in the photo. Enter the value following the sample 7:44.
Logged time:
2:17
